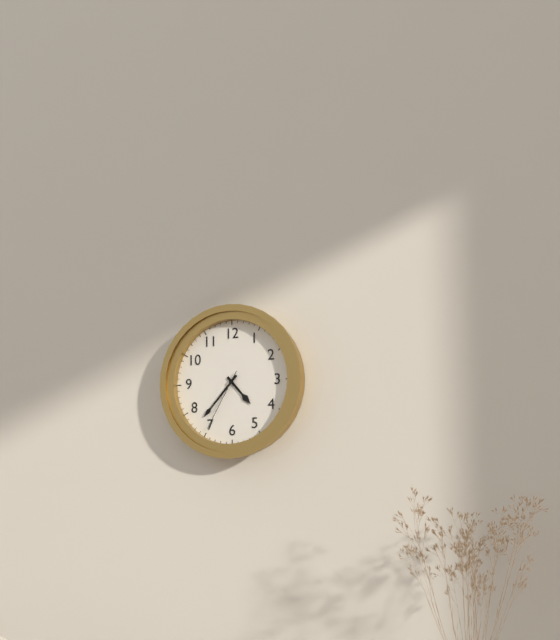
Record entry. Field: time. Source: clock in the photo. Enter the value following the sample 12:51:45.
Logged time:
4:37:35
